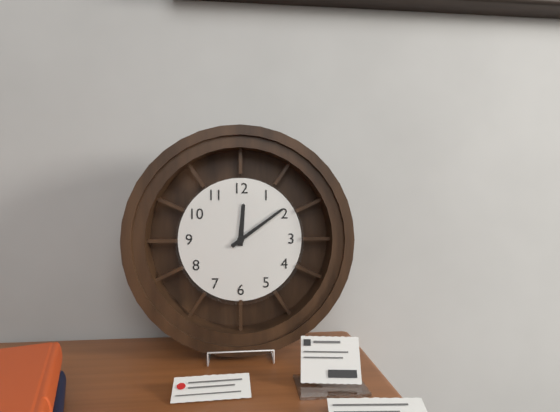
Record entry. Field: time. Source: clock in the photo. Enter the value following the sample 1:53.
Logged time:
12:09
